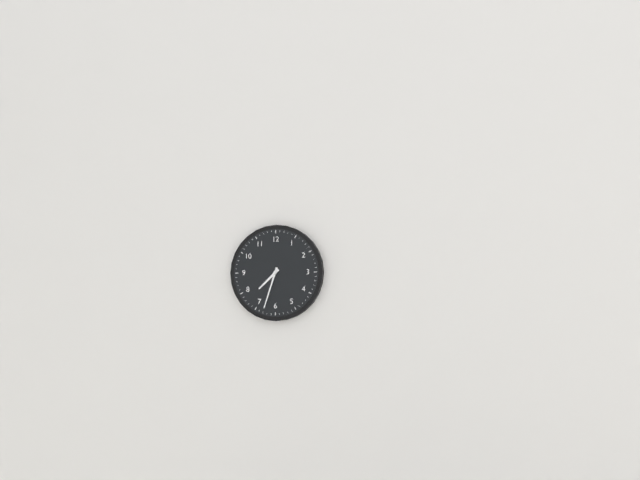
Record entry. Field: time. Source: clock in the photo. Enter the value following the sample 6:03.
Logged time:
7:33
